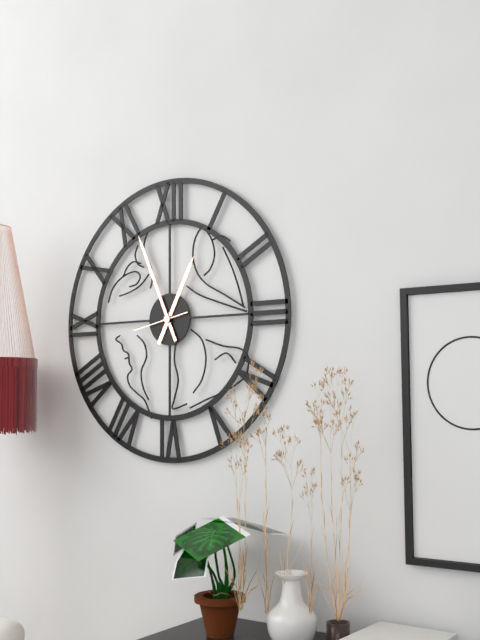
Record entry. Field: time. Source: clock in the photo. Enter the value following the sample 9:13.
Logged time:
12:56
